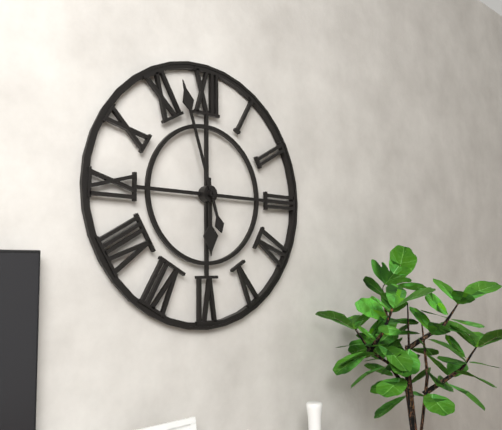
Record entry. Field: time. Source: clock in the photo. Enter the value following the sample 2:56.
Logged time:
5:57
